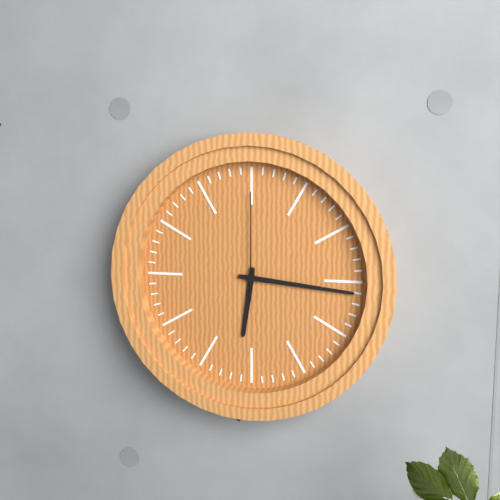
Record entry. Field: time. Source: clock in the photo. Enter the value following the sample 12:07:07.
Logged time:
6:16:00
